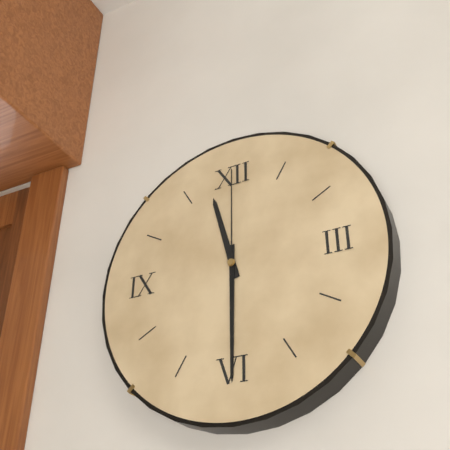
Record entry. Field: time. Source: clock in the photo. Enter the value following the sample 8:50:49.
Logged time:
11:30:00
